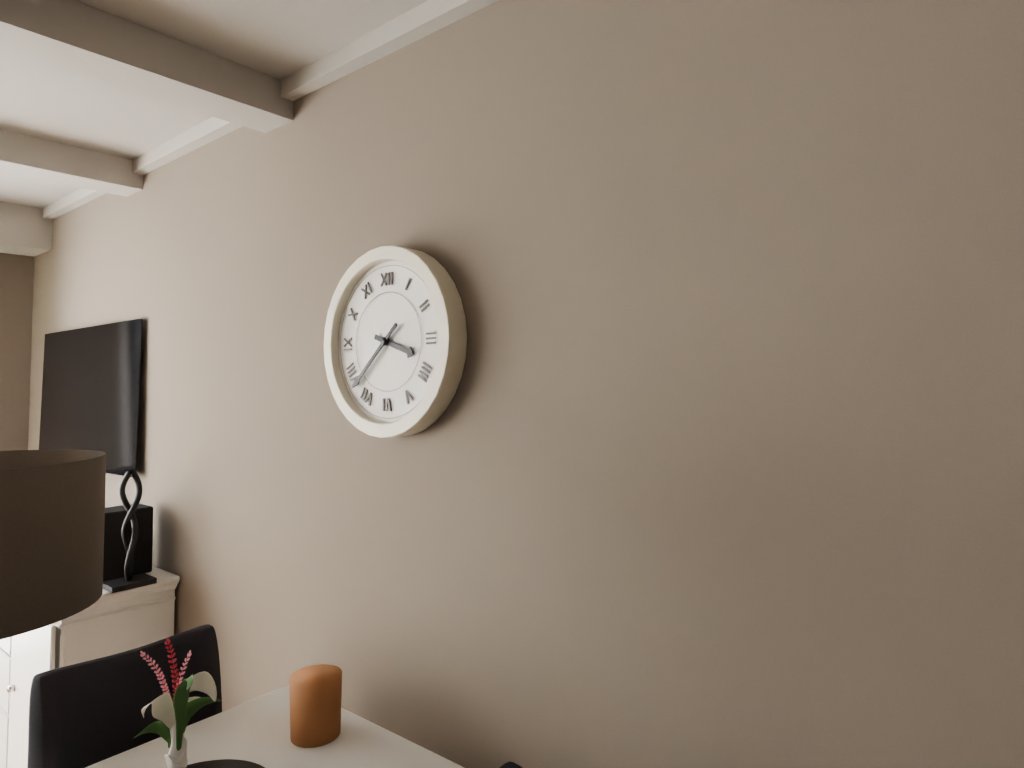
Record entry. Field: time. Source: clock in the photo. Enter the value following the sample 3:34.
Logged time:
3:38
